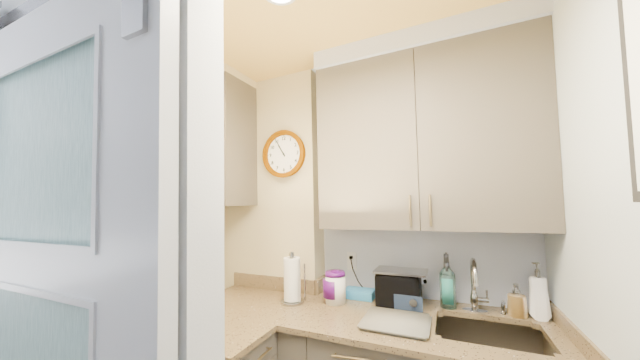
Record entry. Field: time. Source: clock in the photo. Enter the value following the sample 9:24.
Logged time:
10:55
